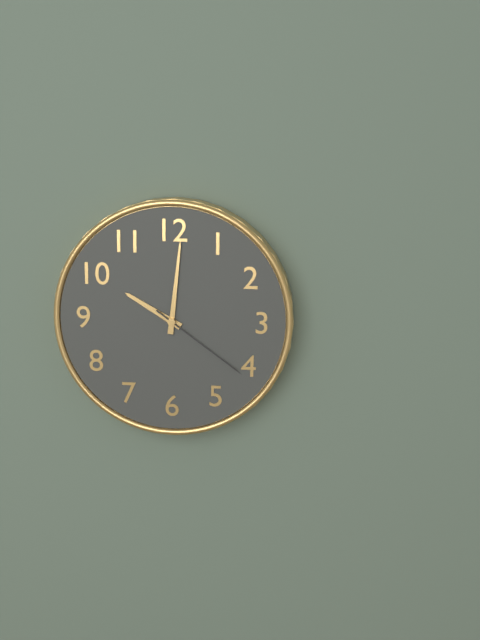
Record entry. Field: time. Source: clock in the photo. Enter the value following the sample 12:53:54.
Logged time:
10:01:21
